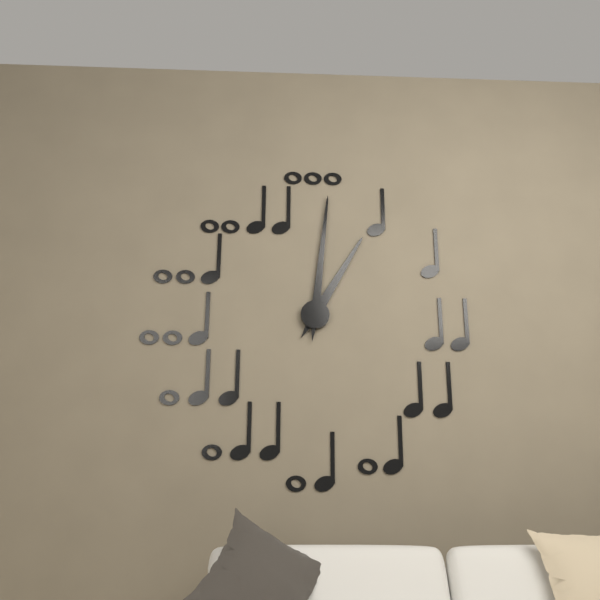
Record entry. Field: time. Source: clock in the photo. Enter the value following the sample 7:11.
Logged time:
1:01
